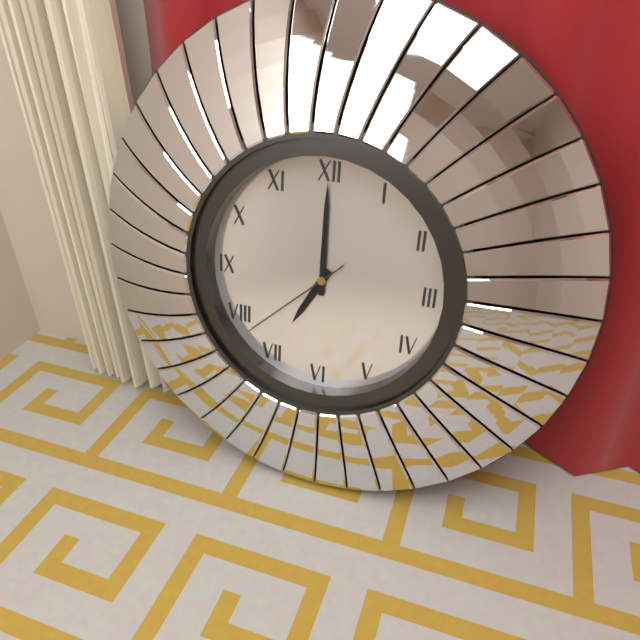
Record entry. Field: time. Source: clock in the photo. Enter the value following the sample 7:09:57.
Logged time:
7:00:38
